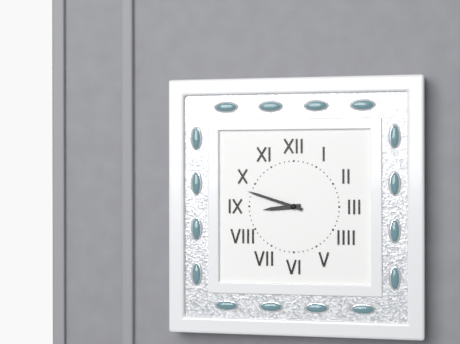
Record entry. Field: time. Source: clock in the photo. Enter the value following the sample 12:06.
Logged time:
8:48
